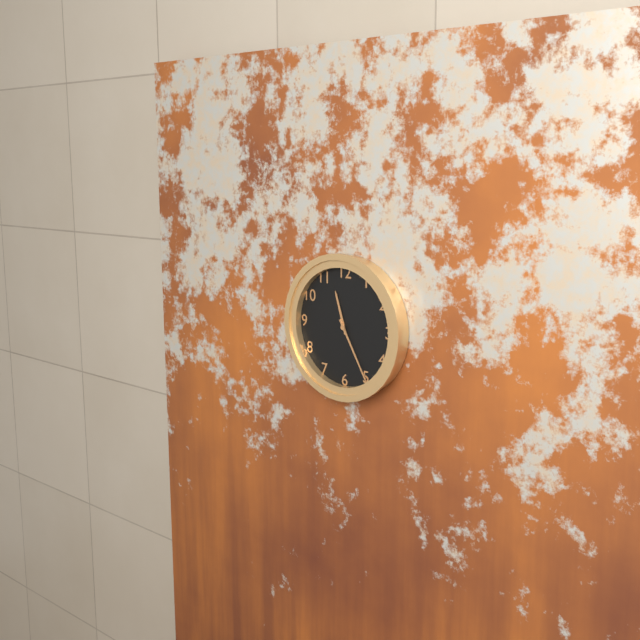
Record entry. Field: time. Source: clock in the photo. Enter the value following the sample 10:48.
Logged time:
11:25
